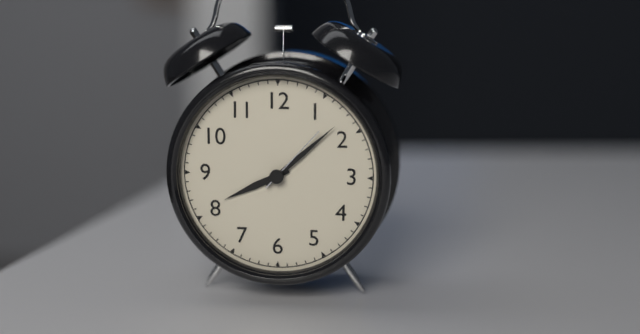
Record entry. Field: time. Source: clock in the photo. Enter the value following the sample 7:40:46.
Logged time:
8:08:07
